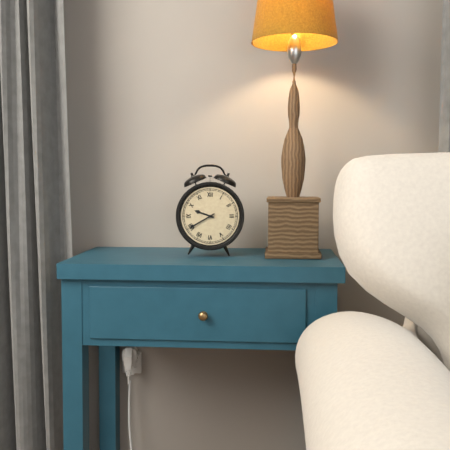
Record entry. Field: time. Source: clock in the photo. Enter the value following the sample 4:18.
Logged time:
9:40
